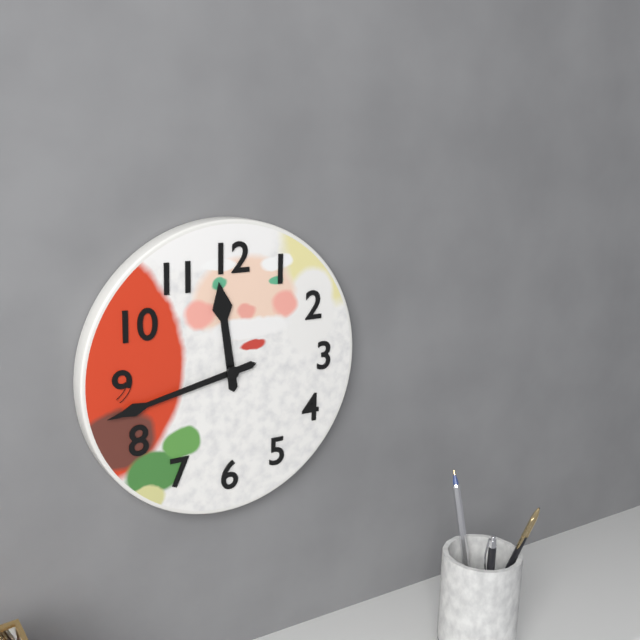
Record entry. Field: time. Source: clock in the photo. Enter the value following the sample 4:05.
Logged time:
11:43
